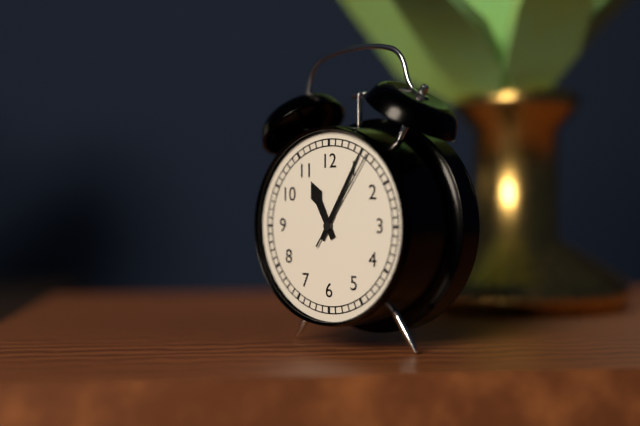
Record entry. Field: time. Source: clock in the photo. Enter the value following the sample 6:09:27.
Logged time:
11:05:06
